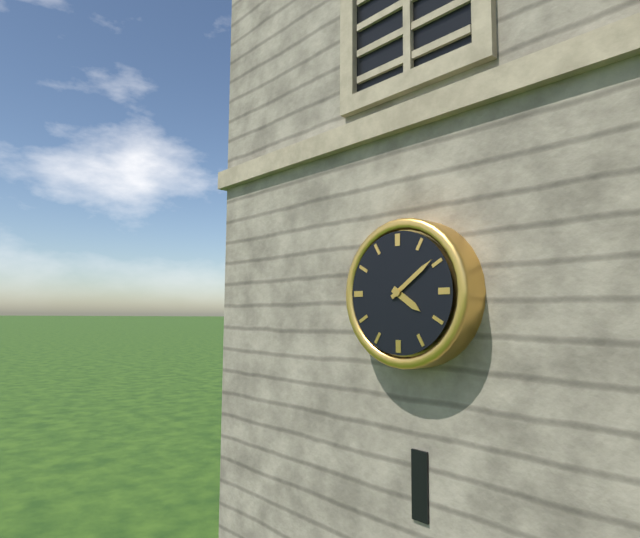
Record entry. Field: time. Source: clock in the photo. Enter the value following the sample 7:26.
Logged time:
4:09
